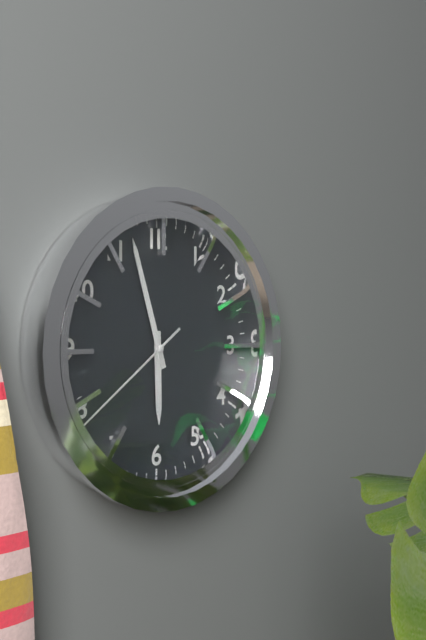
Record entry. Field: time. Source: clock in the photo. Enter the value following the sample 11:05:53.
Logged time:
5:57:39
